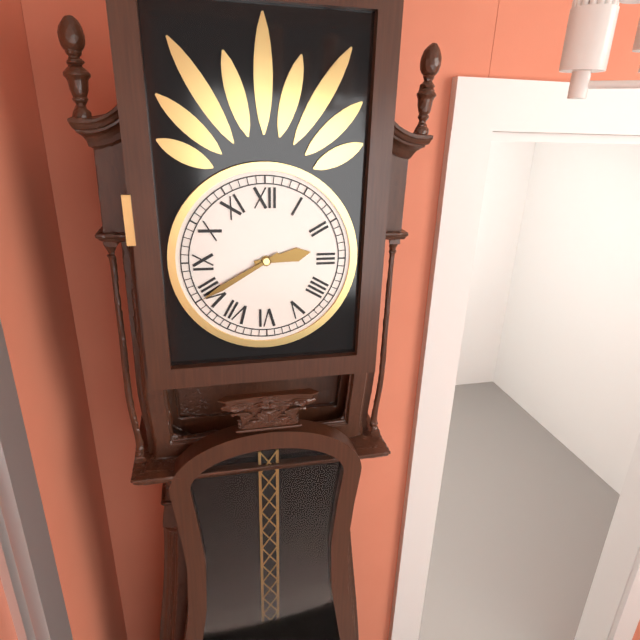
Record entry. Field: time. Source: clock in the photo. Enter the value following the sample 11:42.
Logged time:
2:40
